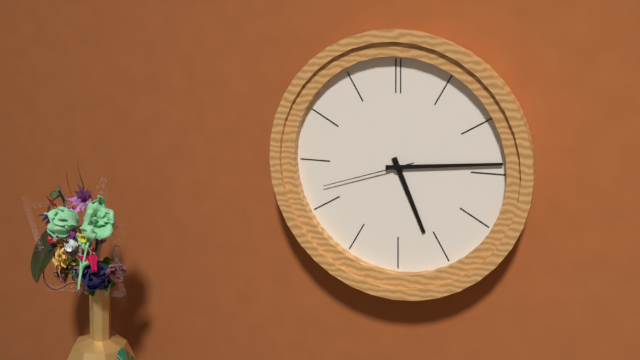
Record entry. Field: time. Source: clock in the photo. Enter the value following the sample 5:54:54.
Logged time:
5:14:42
